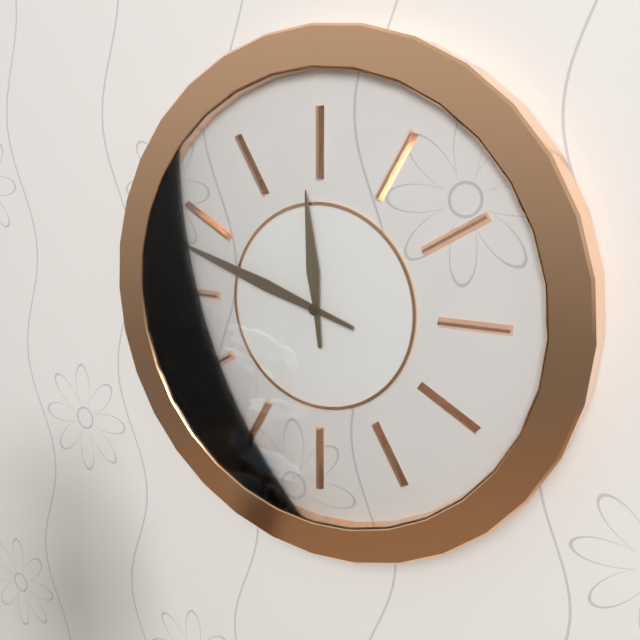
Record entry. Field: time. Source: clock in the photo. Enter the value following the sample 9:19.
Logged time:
11:48
